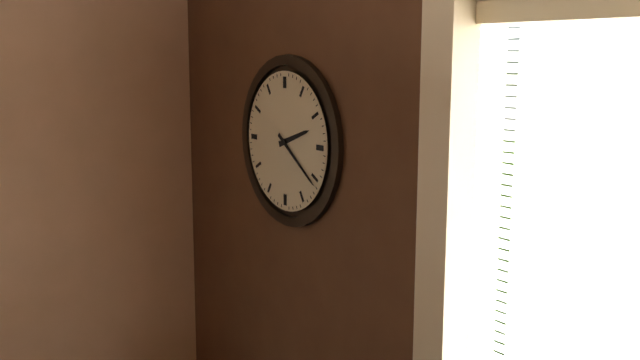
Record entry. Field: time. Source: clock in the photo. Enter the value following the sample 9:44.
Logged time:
2:21
